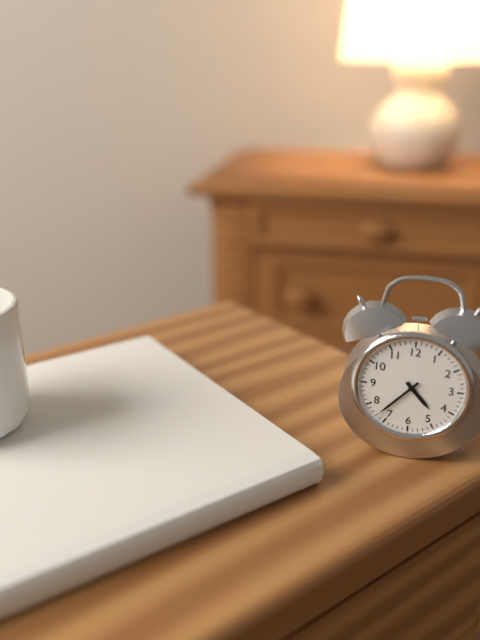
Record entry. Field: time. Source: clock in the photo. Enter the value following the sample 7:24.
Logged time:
4:37
